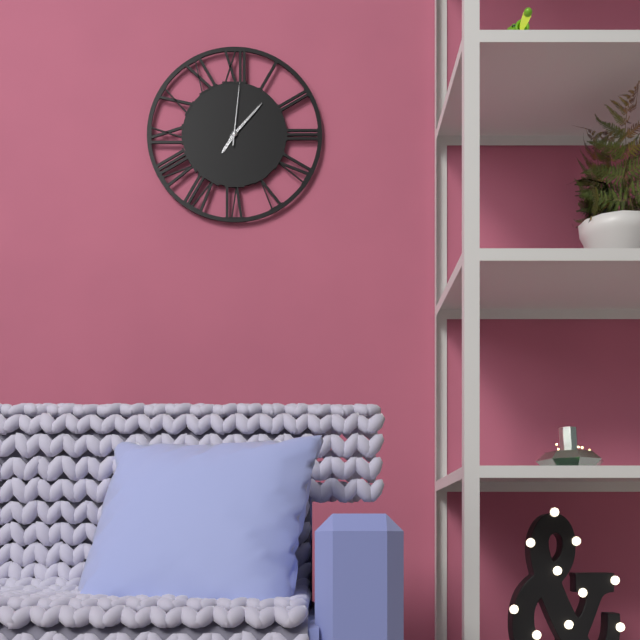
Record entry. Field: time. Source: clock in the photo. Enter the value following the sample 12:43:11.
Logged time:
7:07:01
